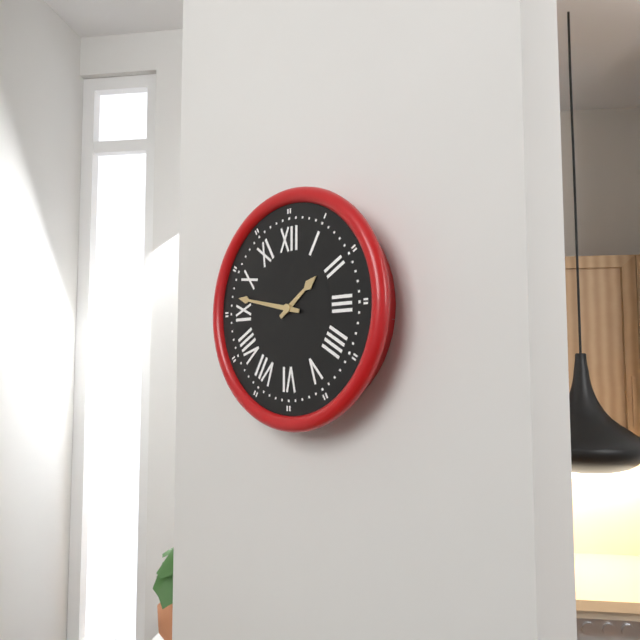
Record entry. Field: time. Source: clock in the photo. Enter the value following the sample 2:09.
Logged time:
1:47
